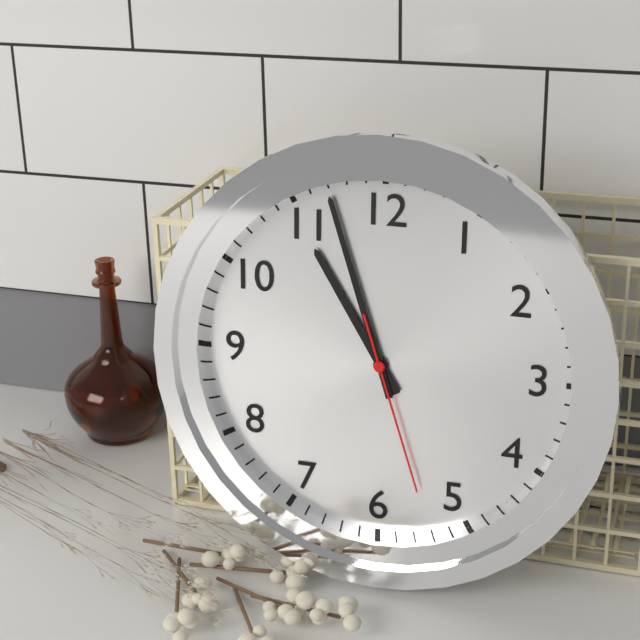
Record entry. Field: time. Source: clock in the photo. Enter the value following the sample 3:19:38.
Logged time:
10:57:27
